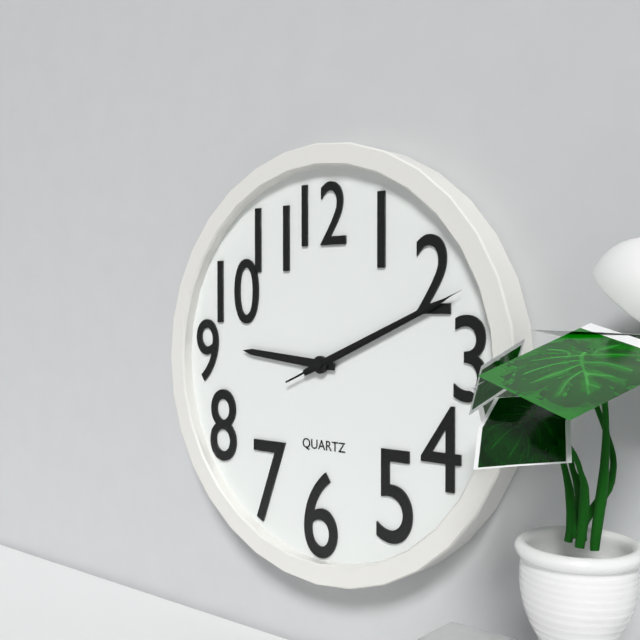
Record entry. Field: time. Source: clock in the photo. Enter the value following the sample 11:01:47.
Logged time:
9:11:11
